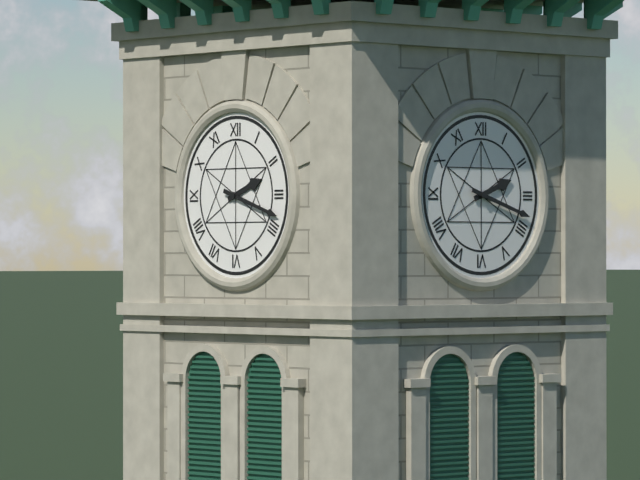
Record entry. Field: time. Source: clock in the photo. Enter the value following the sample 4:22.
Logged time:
2:18
